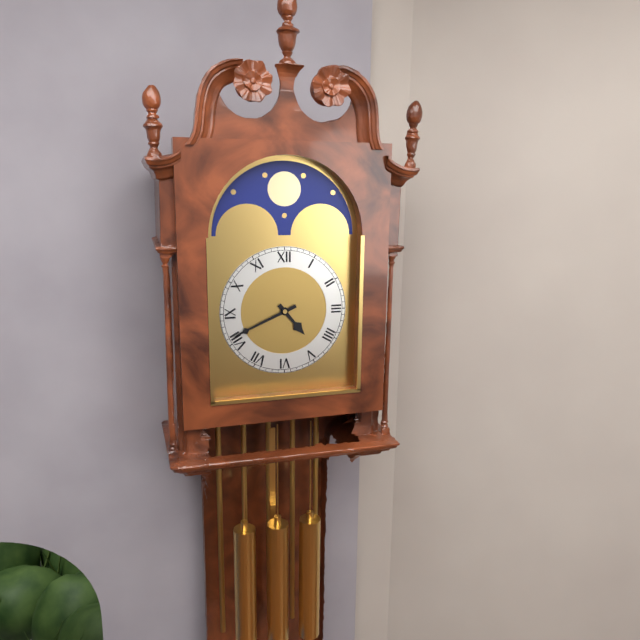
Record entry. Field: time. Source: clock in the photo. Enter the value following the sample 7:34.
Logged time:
4:41
